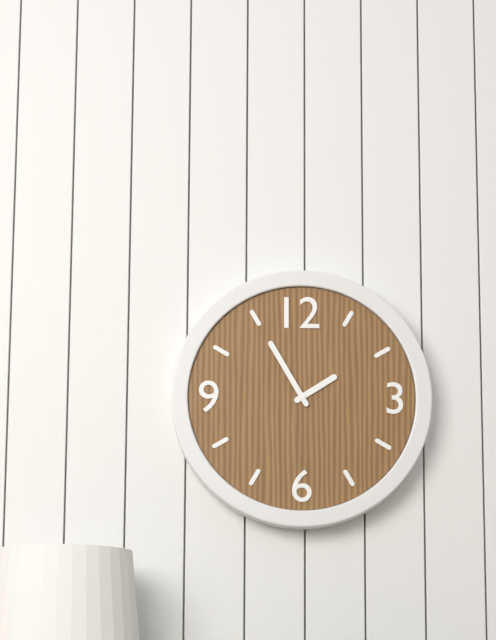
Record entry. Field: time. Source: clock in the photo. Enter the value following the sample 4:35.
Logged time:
1:55
